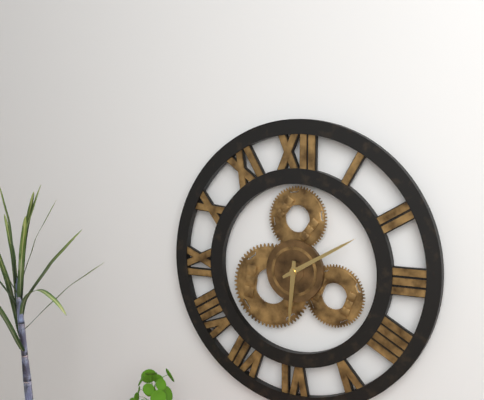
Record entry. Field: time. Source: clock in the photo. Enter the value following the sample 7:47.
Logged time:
6:10
